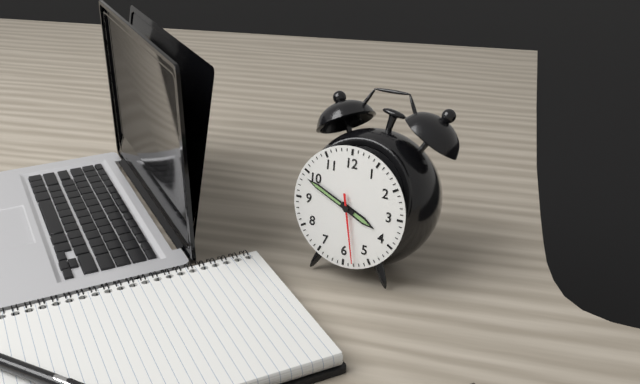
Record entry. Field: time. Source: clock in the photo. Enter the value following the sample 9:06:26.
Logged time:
3:49:28
